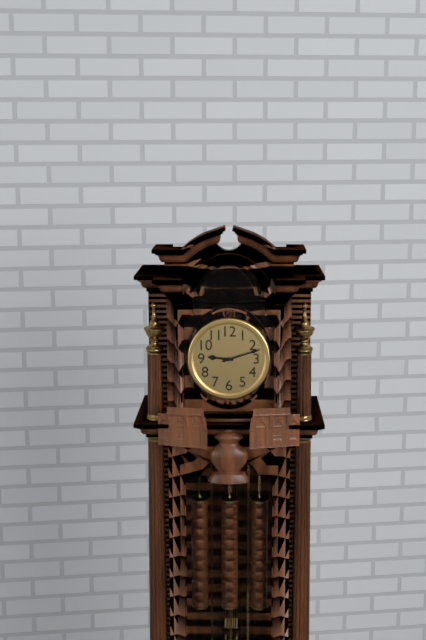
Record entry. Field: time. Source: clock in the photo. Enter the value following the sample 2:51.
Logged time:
9:12
